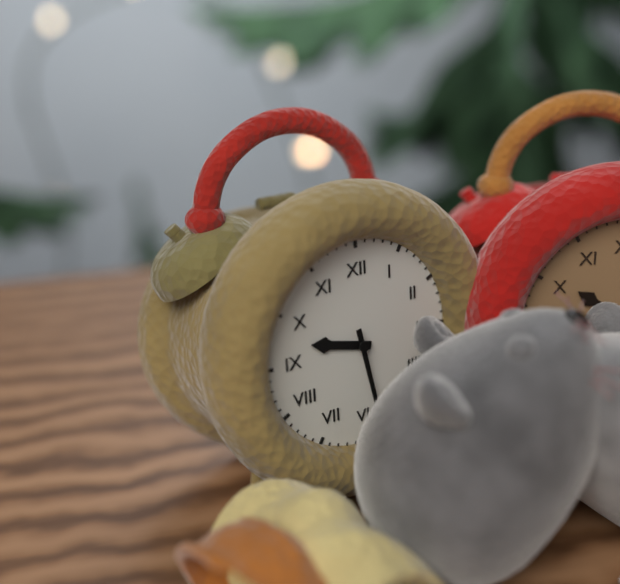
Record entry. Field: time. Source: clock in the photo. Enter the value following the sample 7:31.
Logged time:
9:28
